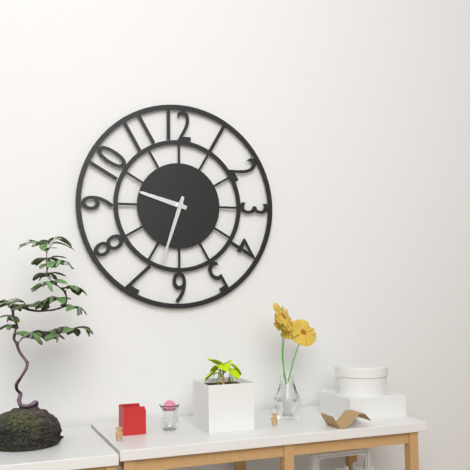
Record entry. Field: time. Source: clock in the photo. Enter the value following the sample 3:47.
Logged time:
9:33
